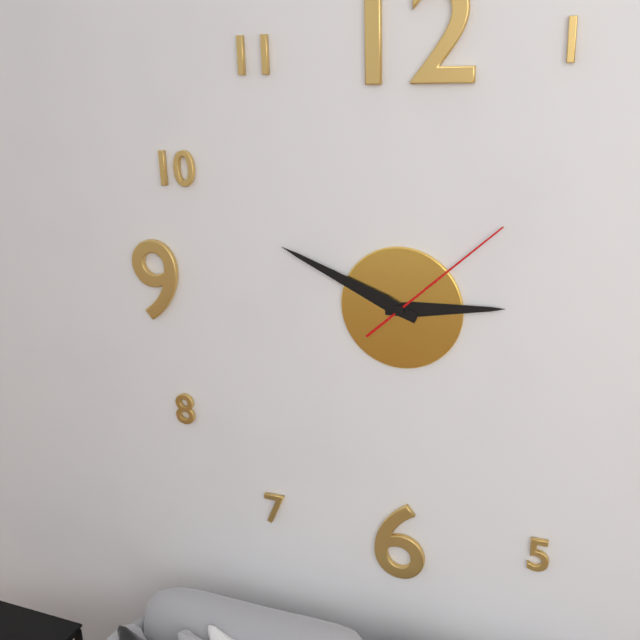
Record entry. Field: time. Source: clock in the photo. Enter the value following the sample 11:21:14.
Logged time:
2:49:08
